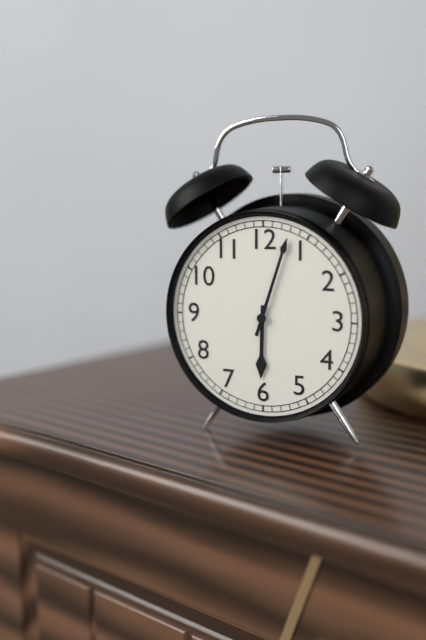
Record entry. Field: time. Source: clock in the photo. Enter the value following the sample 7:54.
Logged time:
6:03
